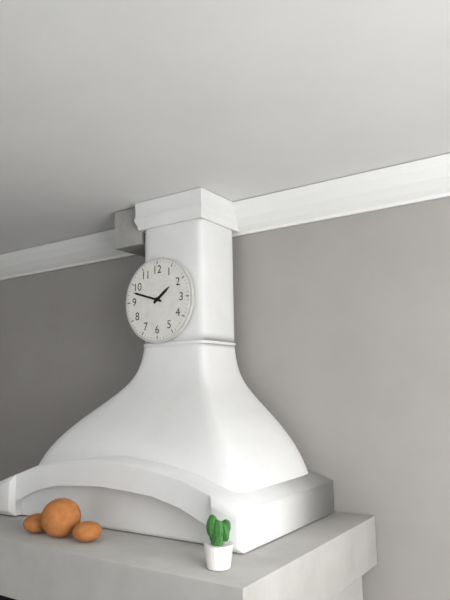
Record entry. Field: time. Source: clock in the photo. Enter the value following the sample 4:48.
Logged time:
1:48
